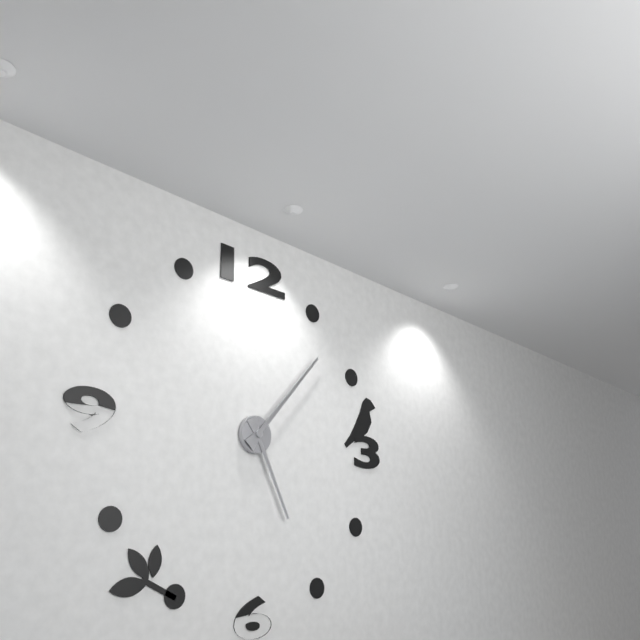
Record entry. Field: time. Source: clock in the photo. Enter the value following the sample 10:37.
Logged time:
5:07
